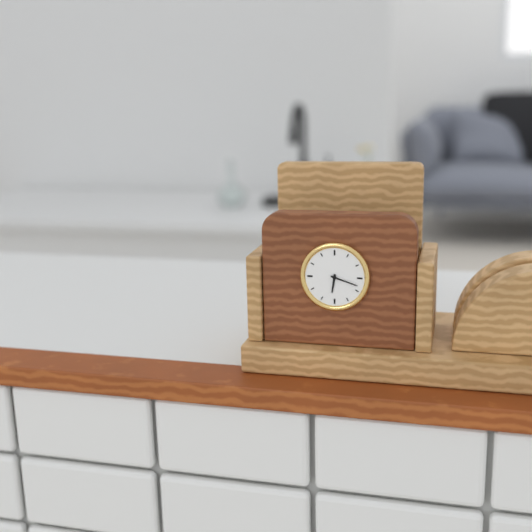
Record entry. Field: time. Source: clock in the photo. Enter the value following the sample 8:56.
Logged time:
6:18
